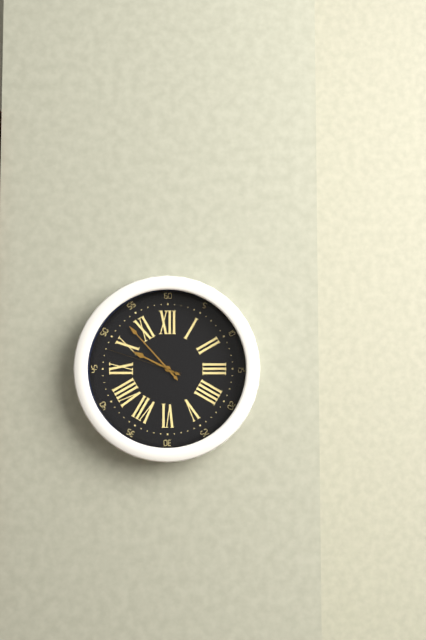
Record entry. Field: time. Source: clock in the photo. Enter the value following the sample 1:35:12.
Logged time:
9:53:48
